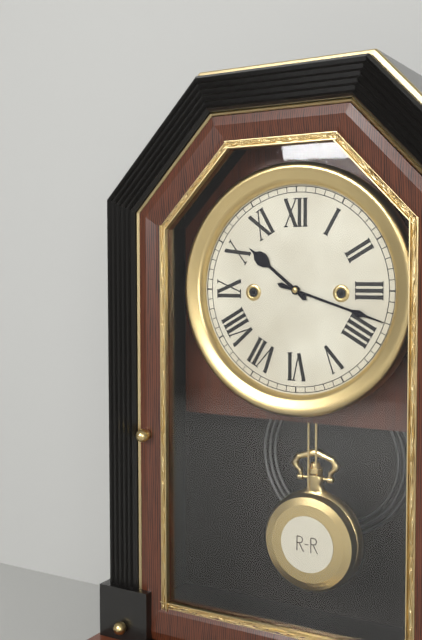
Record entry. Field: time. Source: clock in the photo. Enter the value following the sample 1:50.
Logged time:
10:18
